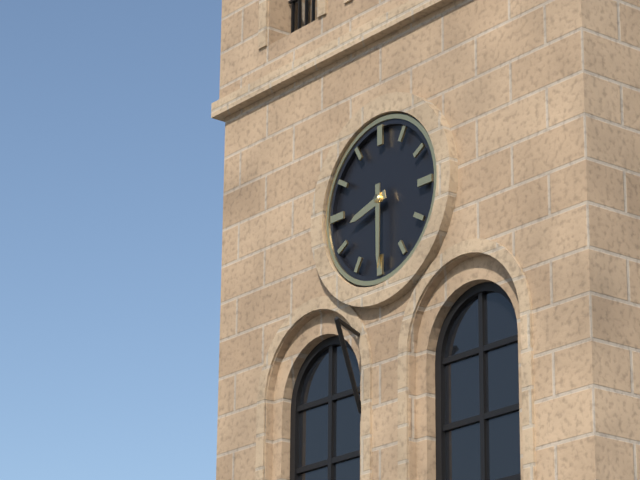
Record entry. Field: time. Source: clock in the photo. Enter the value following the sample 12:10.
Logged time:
8:30
